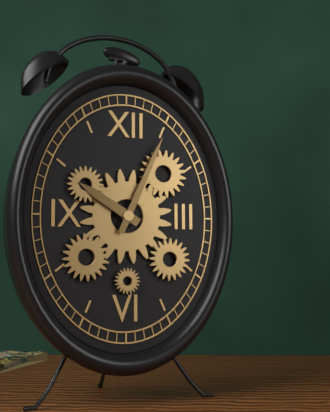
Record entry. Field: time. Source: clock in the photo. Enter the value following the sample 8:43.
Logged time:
10:04
